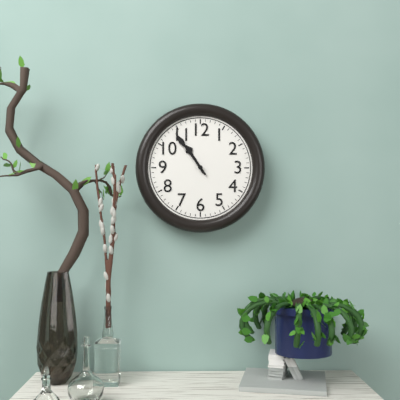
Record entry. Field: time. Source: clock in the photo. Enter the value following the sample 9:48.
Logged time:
10:54
